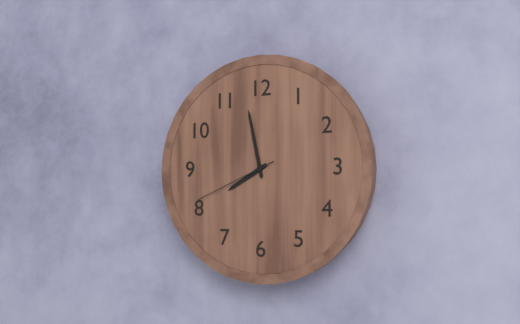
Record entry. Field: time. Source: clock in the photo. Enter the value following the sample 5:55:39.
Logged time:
7:58:41
